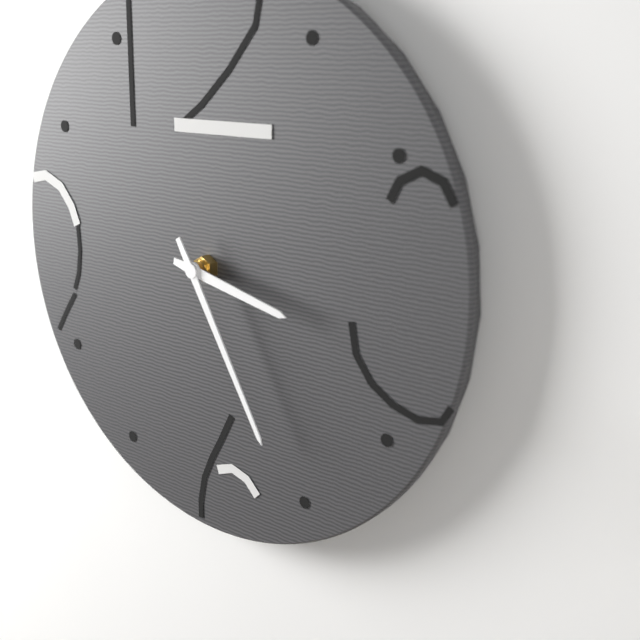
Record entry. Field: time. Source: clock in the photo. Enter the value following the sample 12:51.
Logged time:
3:25
